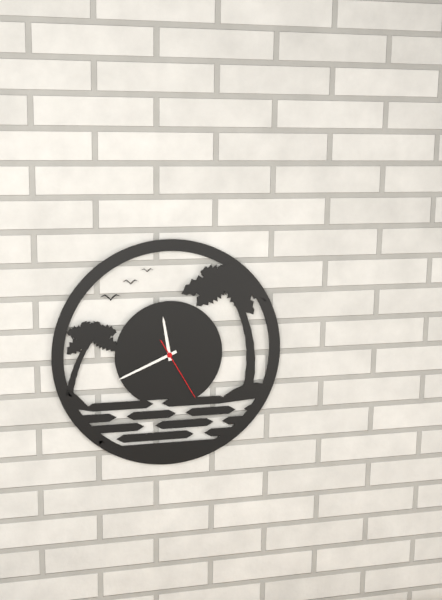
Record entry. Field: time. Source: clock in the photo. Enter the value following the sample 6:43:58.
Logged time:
11:41:25
